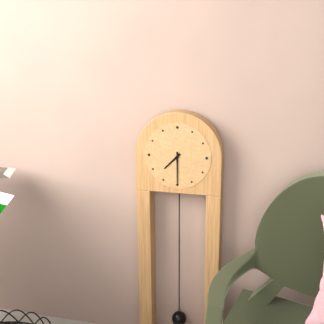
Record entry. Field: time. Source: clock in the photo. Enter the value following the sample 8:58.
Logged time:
7:30
